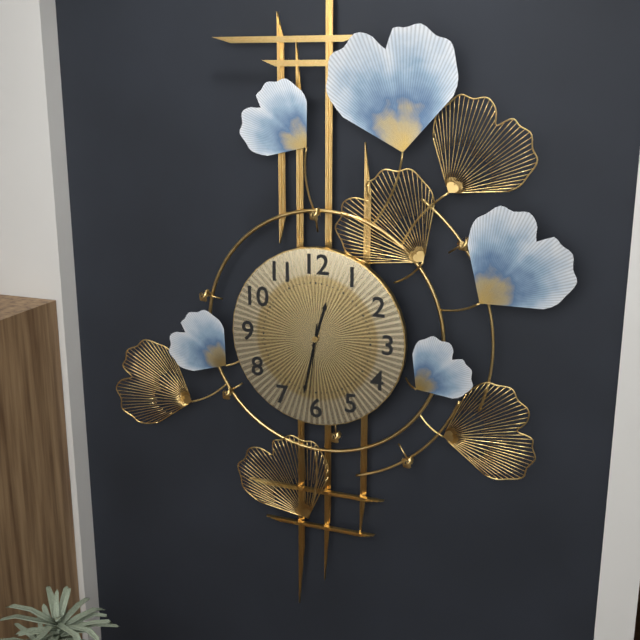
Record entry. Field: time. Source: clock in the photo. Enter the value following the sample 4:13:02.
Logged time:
12:32:31
